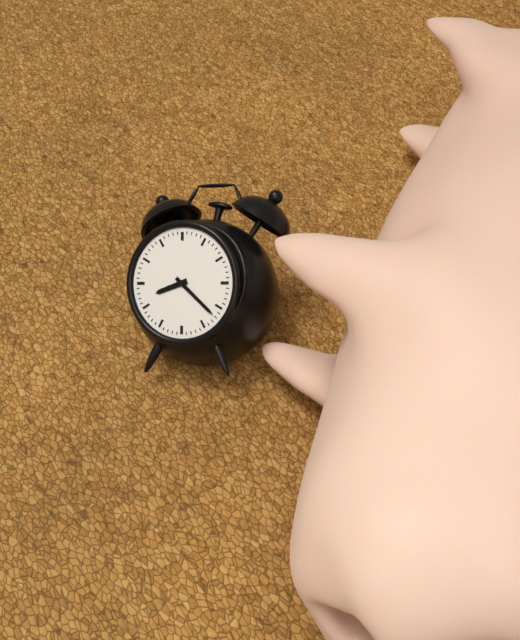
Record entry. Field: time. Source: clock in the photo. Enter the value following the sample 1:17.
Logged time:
8:22
